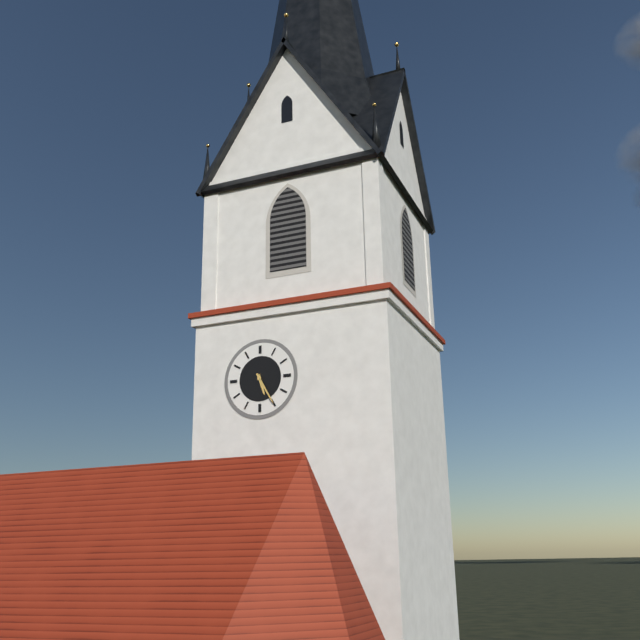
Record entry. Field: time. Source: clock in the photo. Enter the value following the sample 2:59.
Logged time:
5:25
